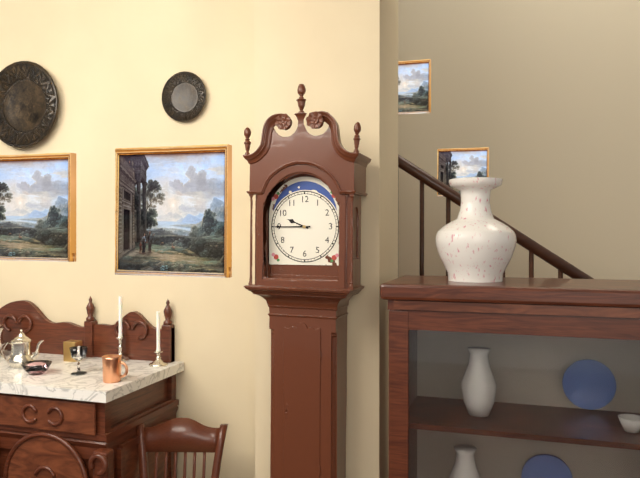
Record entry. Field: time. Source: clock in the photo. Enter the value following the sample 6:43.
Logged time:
9:45
